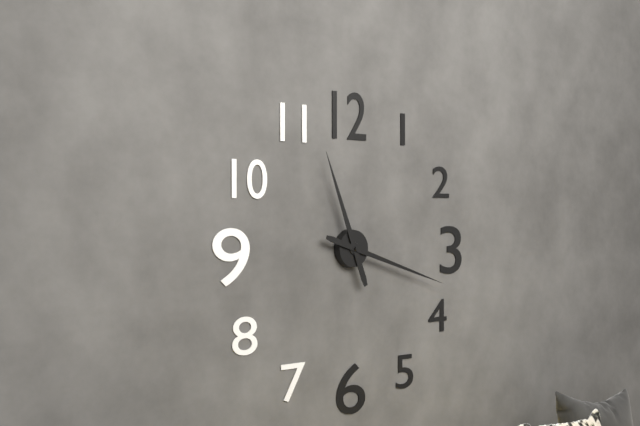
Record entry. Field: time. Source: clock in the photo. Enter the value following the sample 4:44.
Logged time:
11:18
